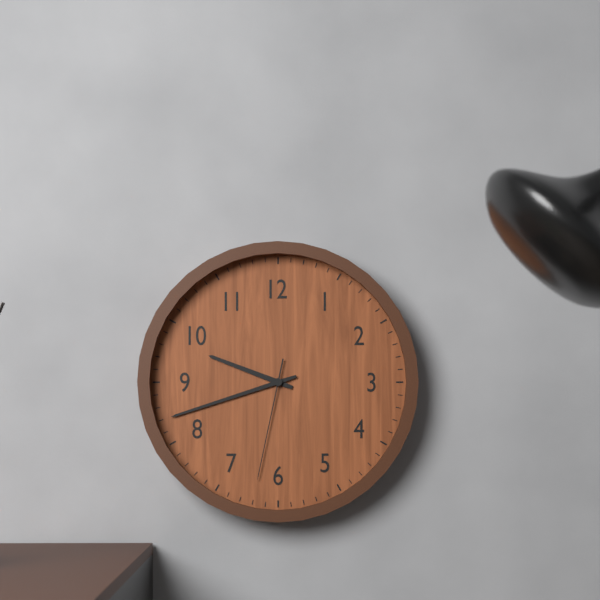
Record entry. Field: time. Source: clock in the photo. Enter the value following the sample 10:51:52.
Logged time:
9:42:32
